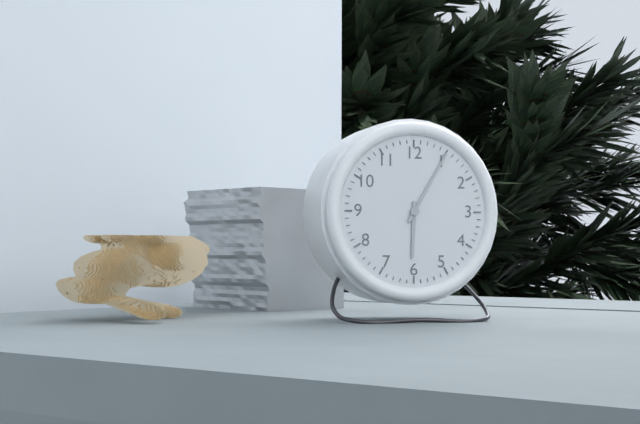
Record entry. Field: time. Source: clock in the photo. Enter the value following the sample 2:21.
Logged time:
6:05
